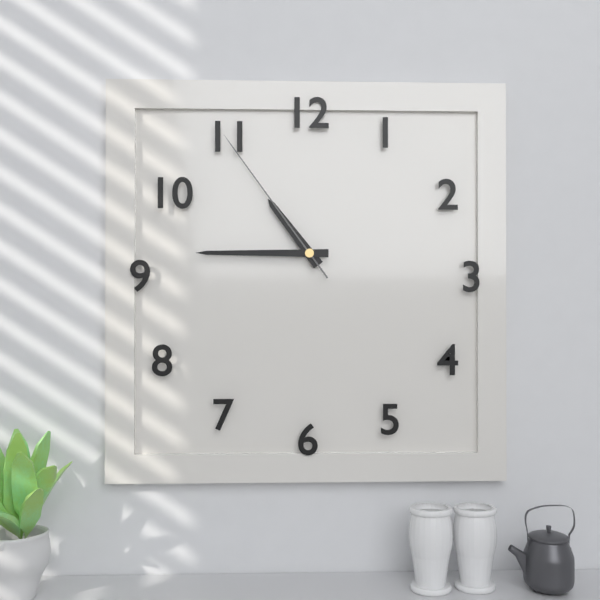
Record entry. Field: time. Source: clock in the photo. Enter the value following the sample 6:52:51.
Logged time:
10:45:54
